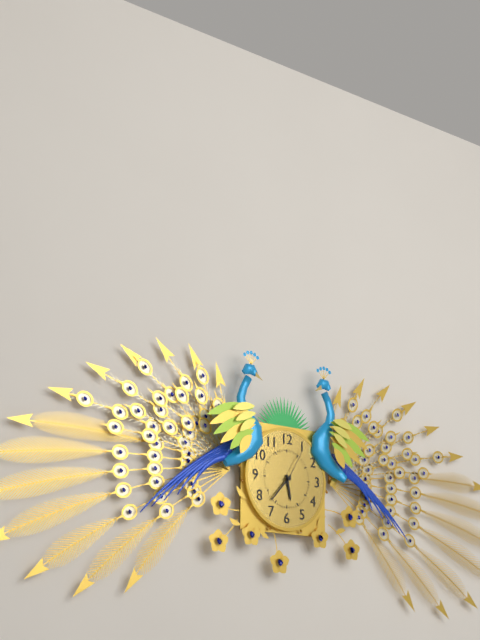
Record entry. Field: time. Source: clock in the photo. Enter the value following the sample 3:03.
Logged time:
5:37
